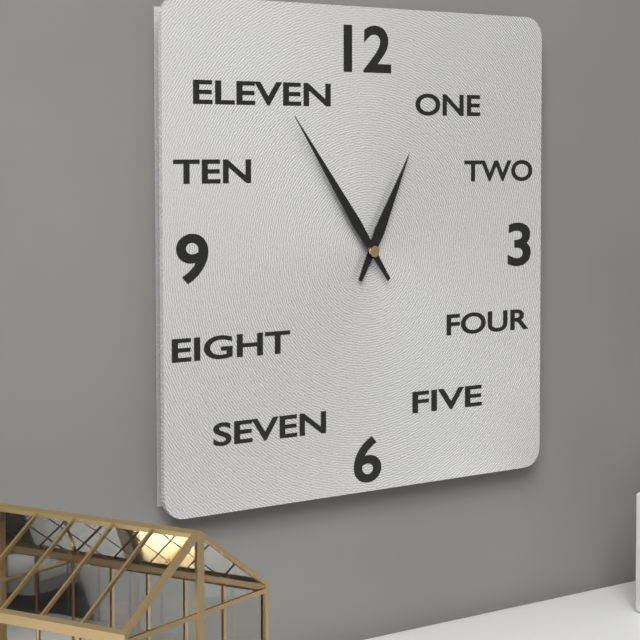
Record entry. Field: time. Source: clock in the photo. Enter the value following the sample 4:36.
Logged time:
12:54
